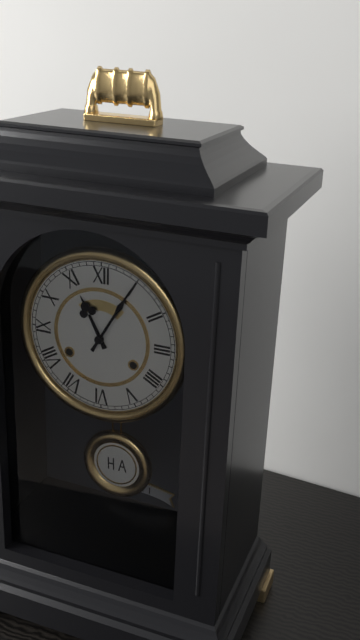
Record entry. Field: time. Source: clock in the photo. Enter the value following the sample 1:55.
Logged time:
11:05
